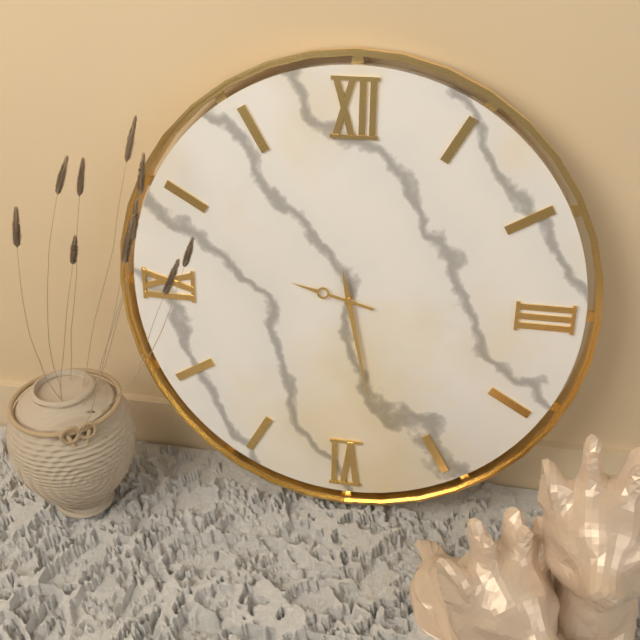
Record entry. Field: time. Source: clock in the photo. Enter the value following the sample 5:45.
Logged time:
9:28
